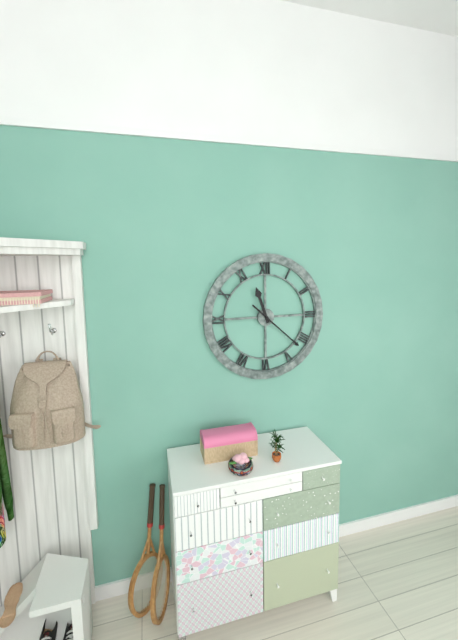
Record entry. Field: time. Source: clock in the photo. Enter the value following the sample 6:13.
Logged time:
11:22
